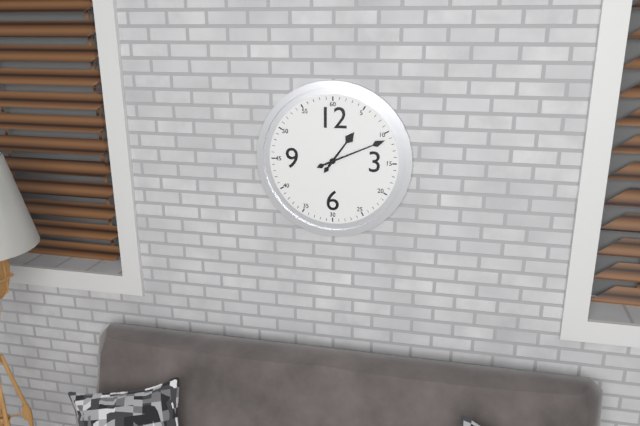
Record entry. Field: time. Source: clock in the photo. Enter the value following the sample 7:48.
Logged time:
1:11
